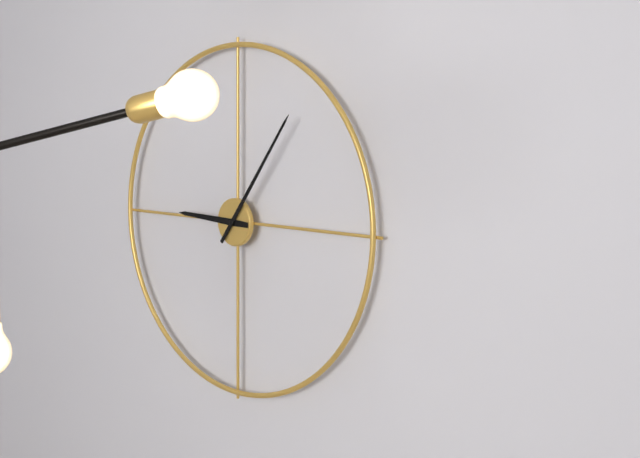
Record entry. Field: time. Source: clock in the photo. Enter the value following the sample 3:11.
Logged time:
9:06
